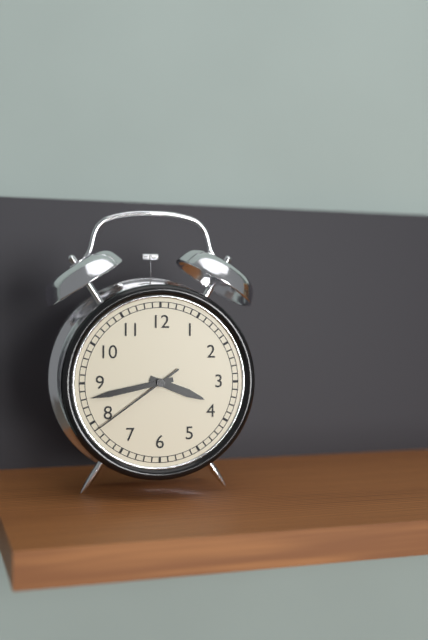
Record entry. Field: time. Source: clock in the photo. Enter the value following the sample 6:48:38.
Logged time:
3:43:39
